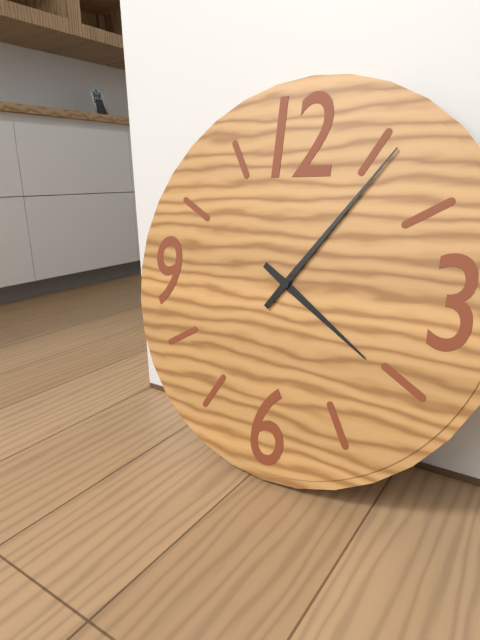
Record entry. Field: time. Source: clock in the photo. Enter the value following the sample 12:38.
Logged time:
4:06
